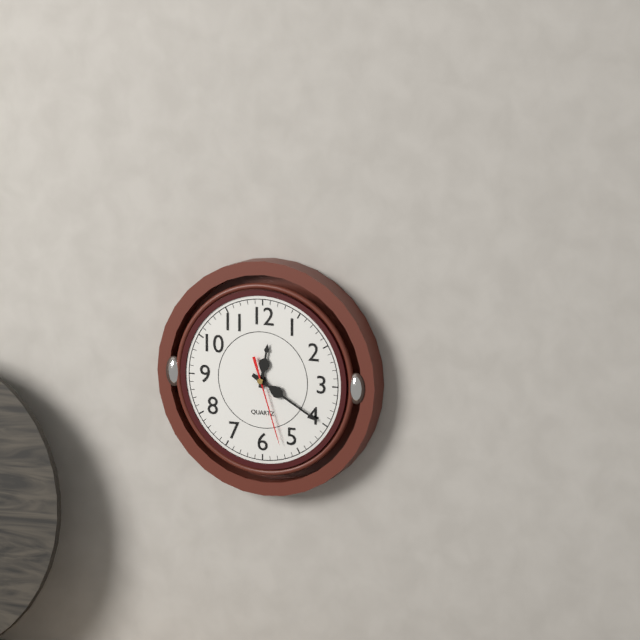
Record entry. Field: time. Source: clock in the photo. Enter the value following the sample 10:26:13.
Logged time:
12:20:27
